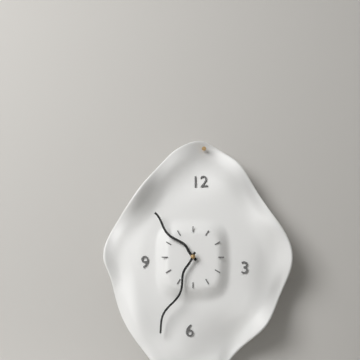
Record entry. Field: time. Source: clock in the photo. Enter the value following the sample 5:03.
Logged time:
10:34
